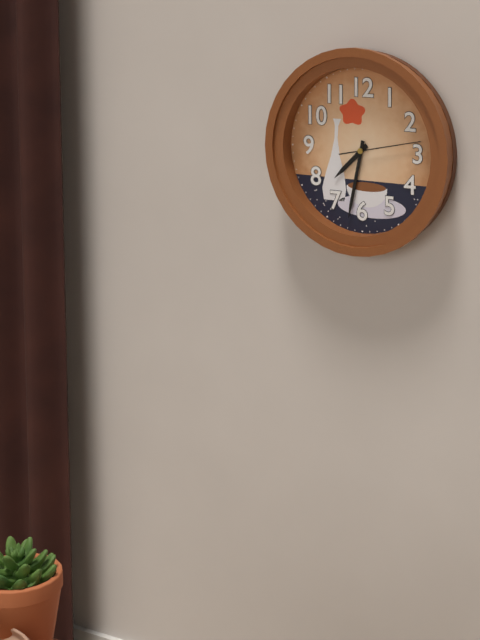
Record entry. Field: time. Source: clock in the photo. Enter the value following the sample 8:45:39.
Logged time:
7:32:13
